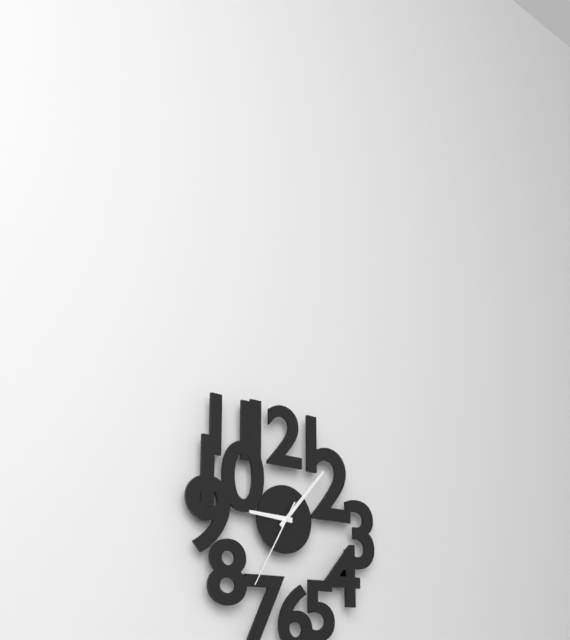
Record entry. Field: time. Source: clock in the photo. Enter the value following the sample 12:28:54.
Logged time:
9:07:35
